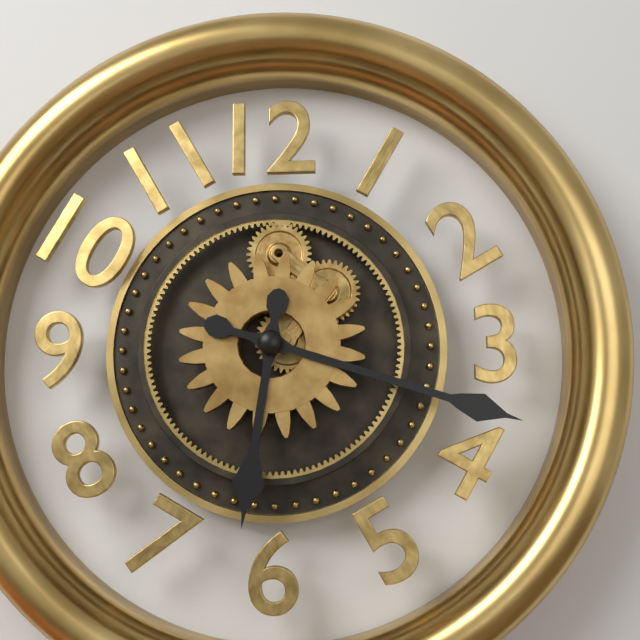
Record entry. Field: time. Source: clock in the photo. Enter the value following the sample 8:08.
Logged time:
6:18
